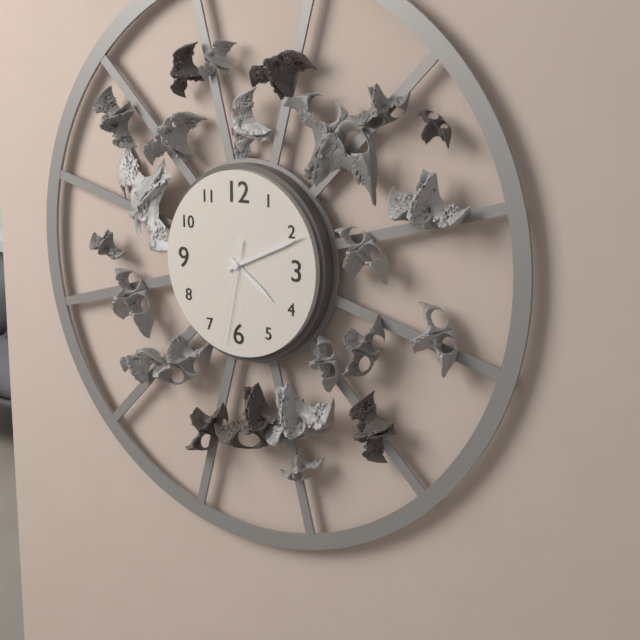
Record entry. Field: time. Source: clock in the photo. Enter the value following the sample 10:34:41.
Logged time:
4:11:32
